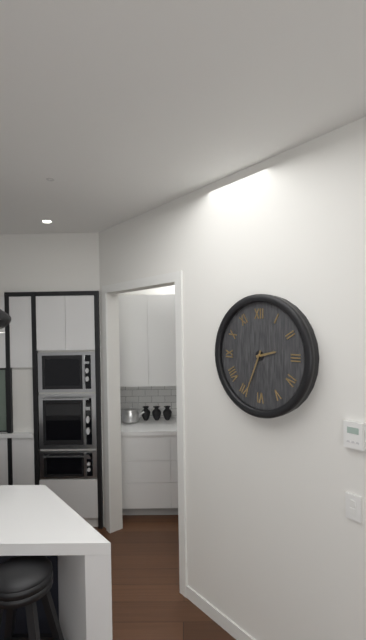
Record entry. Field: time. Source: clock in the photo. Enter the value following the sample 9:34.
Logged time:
2:34
